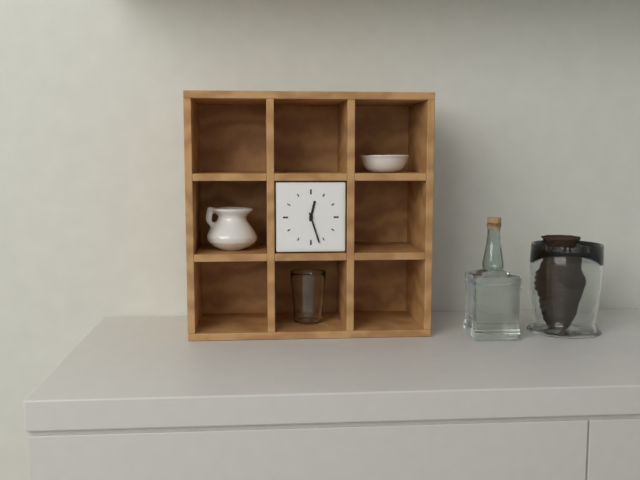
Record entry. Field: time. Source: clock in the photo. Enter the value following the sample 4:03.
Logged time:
12:27
